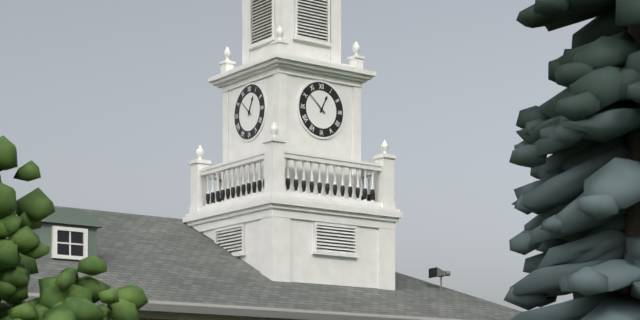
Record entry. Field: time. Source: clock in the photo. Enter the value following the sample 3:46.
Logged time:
12:52
